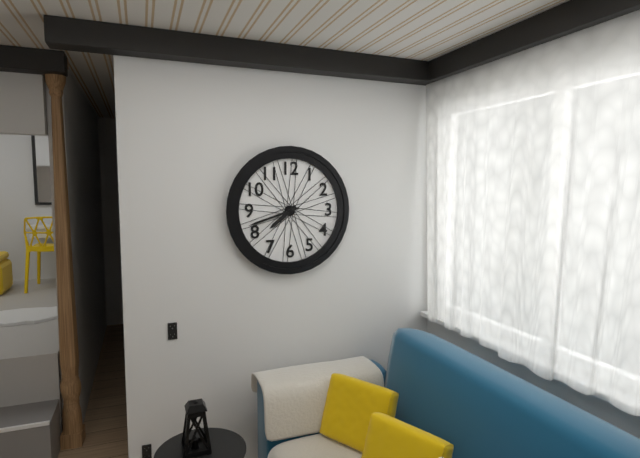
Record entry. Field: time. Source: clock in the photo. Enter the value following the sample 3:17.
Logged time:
7:42
